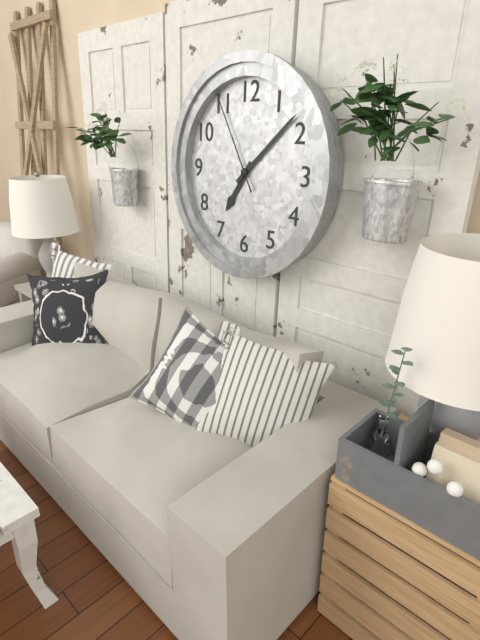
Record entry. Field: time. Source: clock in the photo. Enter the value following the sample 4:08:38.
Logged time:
7:08:55
